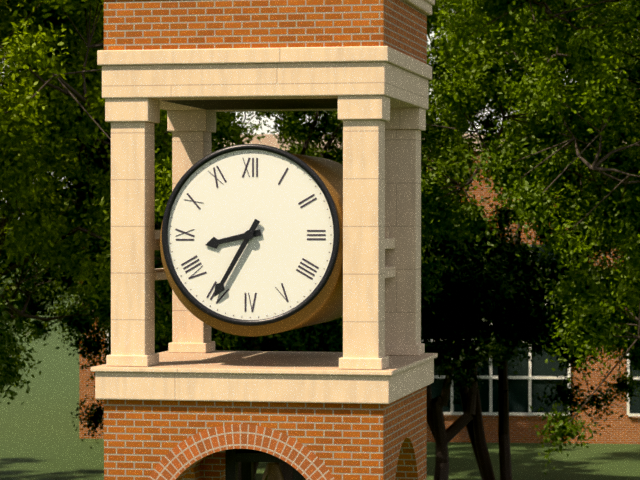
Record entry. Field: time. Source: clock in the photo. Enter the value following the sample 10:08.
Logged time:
8:35
